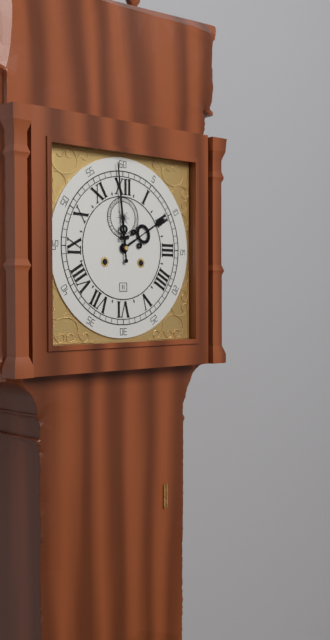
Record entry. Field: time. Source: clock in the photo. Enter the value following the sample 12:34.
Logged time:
1:59
